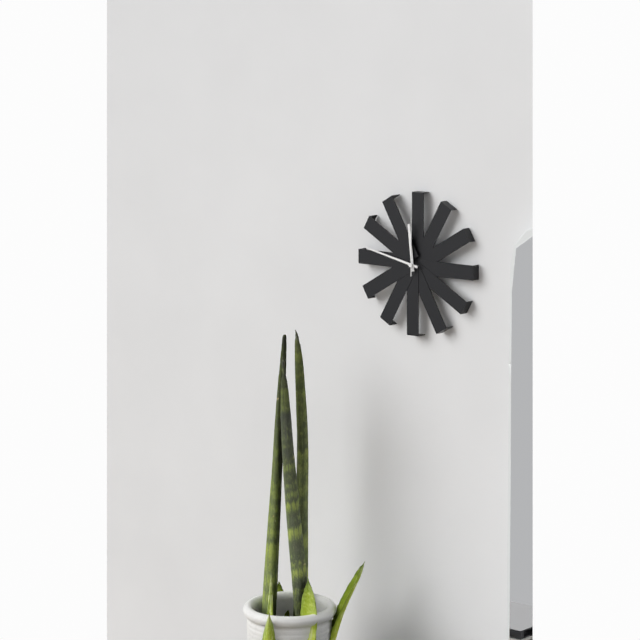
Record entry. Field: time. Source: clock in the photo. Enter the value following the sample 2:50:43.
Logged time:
11:47:00
